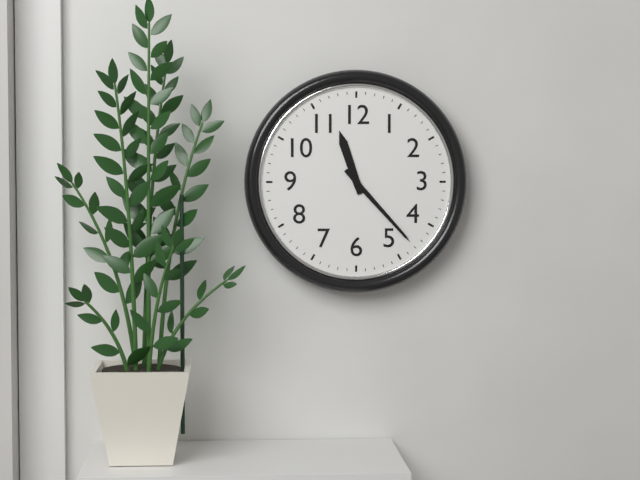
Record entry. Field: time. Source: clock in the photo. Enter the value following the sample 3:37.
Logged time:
11:23
